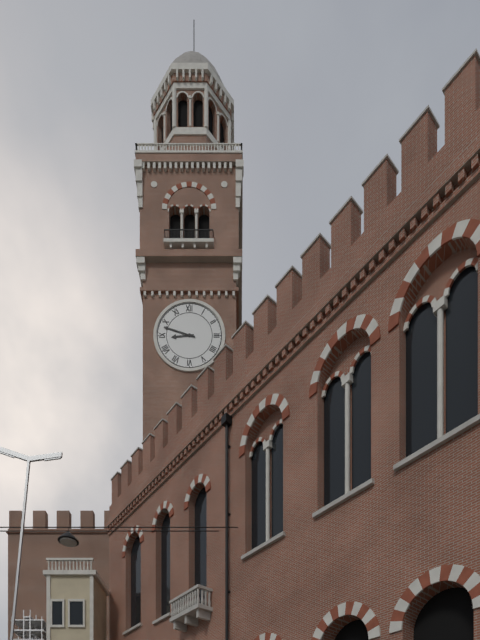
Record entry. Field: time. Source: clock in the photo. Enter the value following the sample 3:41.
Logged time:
8:48
